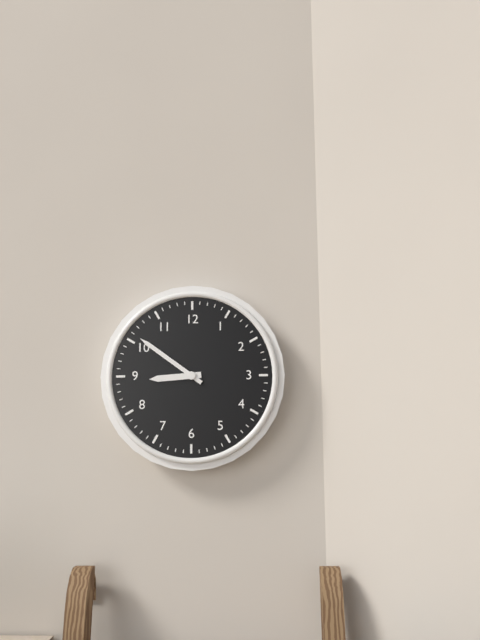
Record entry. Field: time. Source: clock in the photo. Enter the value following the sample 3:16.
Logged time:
8:51
